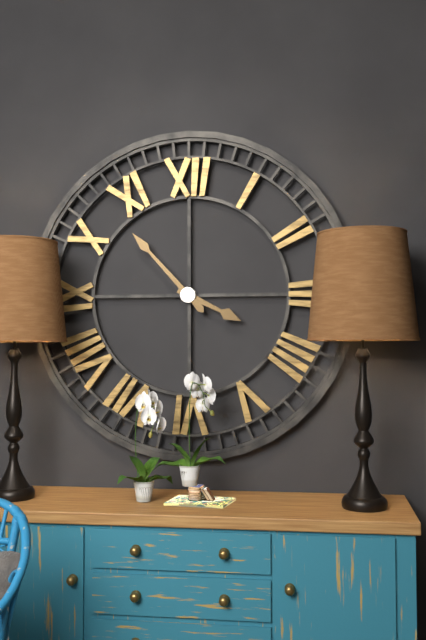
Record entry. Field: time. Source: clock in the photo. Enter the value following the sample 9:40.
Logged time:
3:53
